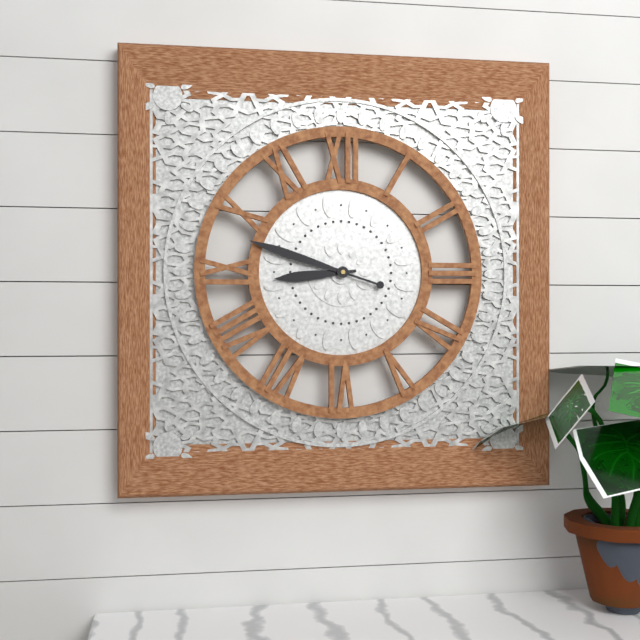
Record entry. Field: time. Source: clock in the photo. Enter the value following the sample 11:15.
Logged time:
8:48
